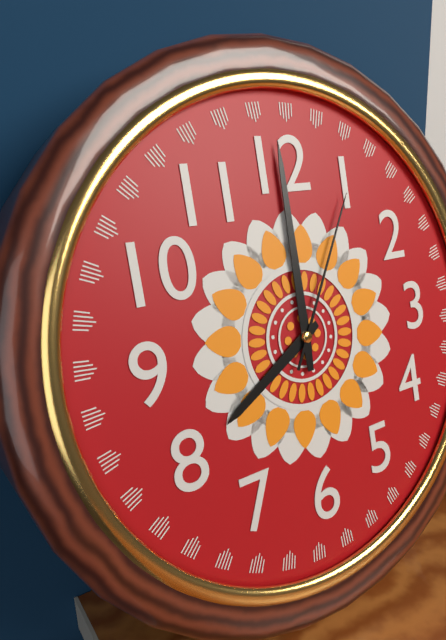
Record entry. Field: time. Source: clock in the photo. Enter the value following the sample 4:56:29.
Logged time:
8:00:05
